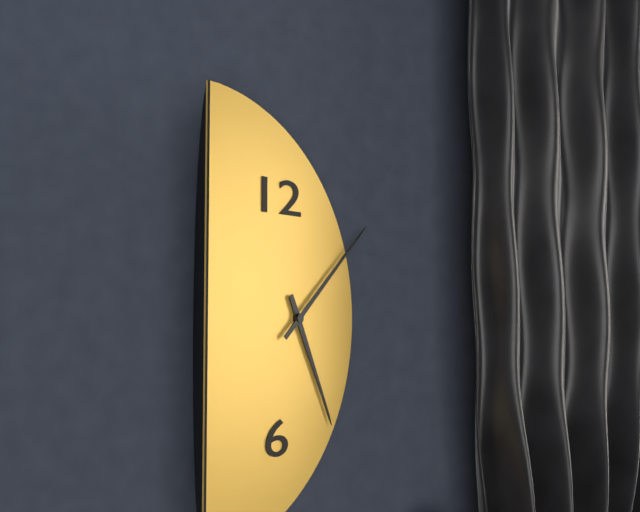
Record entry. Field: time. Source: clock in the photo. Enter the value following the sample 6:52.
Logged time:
5:08
